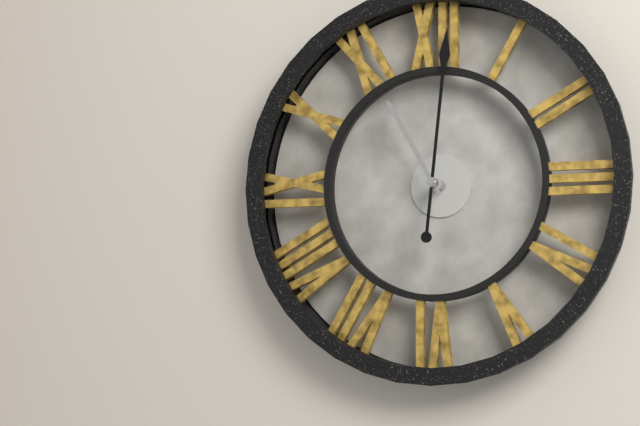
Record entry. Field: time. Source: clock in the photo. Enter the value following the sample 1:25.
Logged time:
11:01
